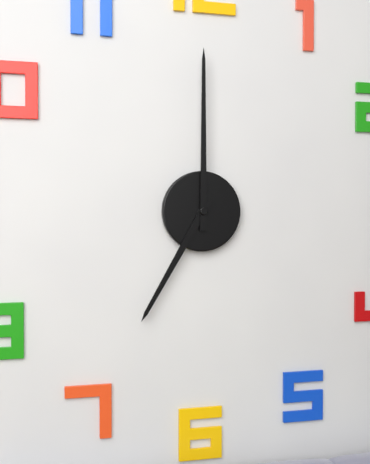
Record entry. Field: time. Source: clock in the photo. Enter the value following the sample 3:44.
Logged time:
7:00
